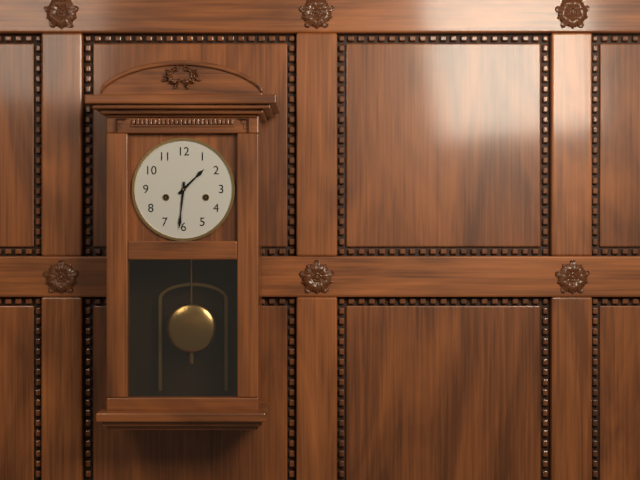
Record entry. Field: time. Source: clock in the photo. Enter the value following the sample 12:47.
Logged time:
1:31
